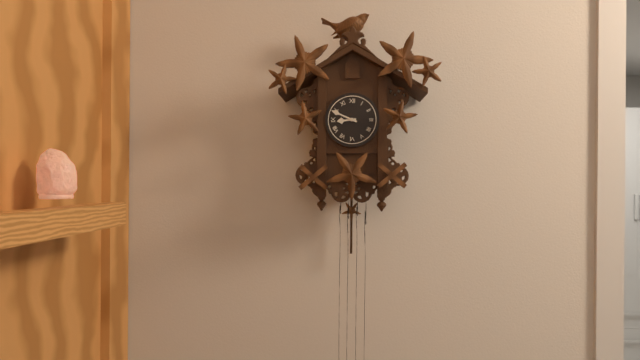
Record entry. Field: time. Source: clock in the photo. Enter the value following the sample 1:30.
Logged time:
8:49
